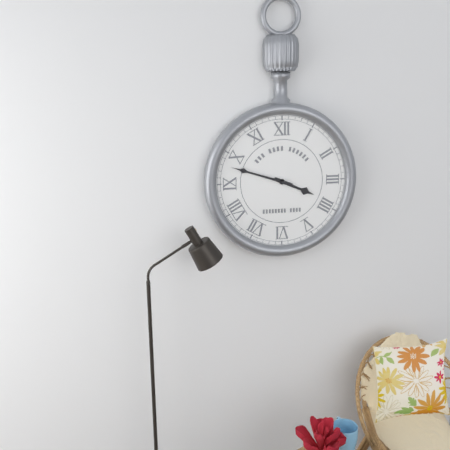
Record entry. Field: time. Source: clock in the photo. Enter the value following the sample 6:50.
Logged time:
3:48
